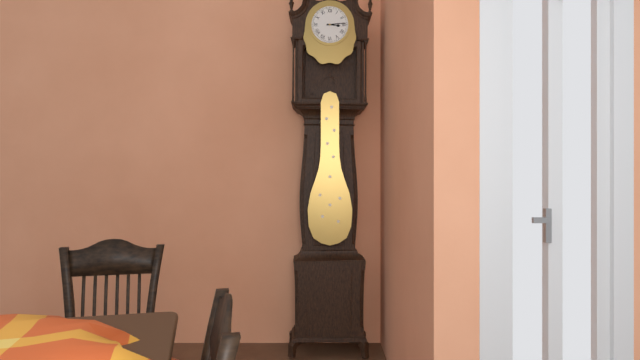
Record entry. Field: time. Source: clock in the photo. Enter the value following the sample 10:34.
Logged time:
3:14
